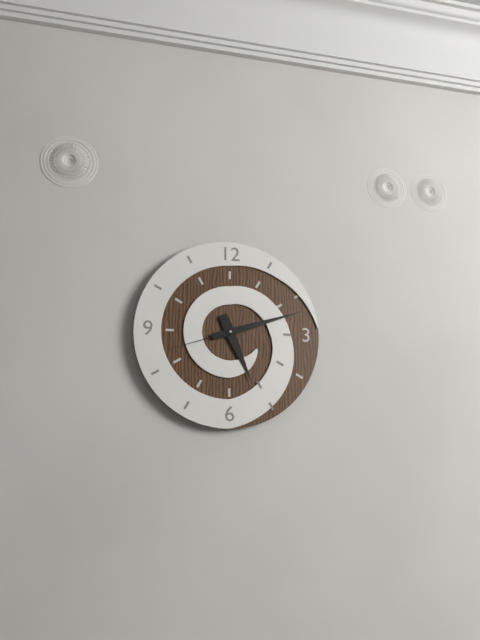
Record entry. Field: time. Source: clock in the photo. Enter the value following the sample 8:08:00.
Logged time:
5:12:42
